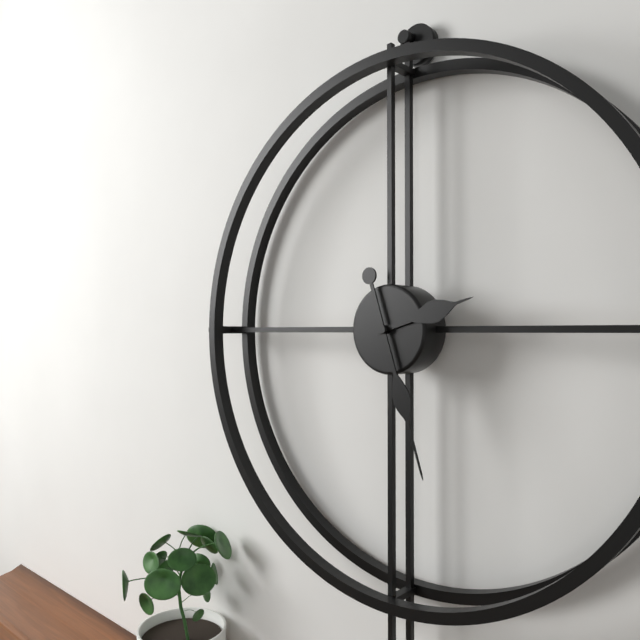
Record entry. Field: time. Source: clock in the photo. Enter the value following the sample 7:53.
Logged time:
2:27
